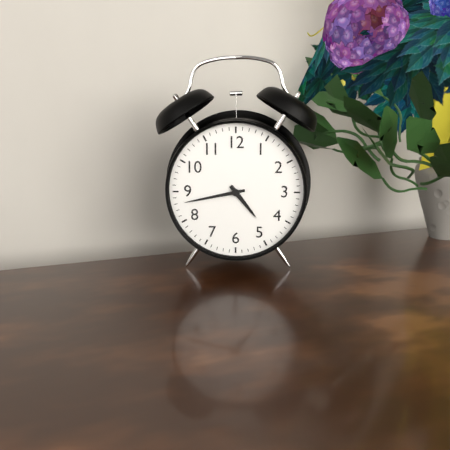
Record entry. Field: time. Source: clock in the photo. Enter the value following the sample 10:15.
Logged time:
4:43
